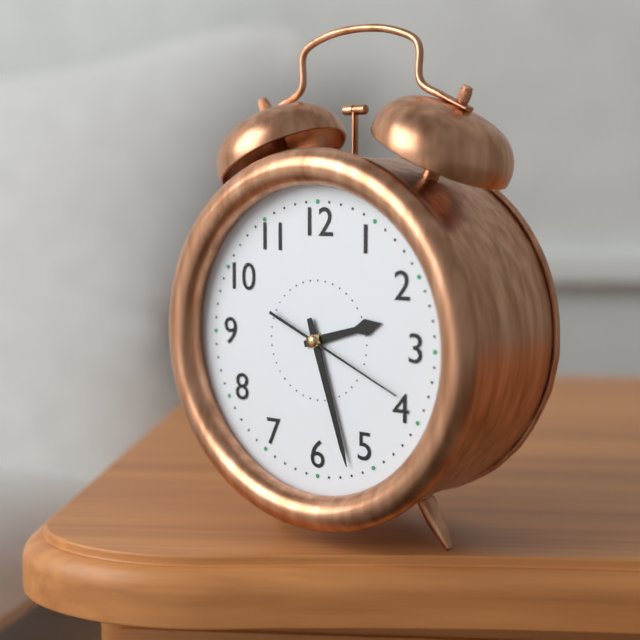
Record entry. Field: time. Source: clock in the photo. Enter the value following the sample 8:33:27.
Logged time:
2:27:19
